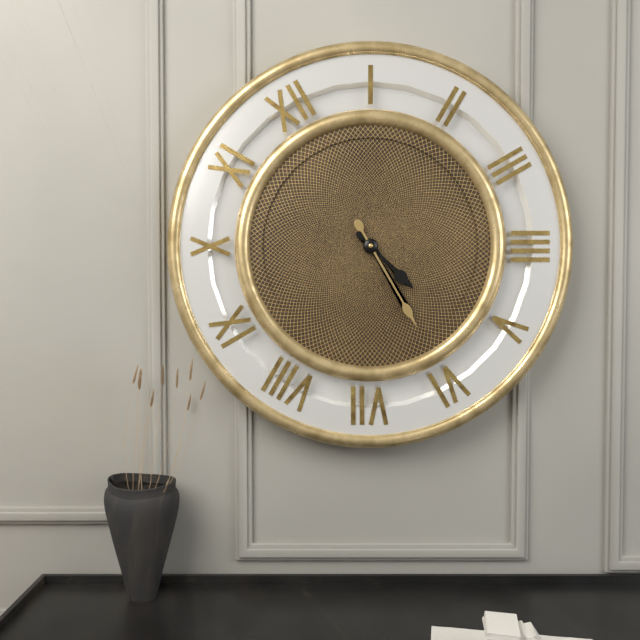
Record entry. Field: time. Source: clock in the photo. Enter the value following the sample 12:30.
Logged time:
5:30
